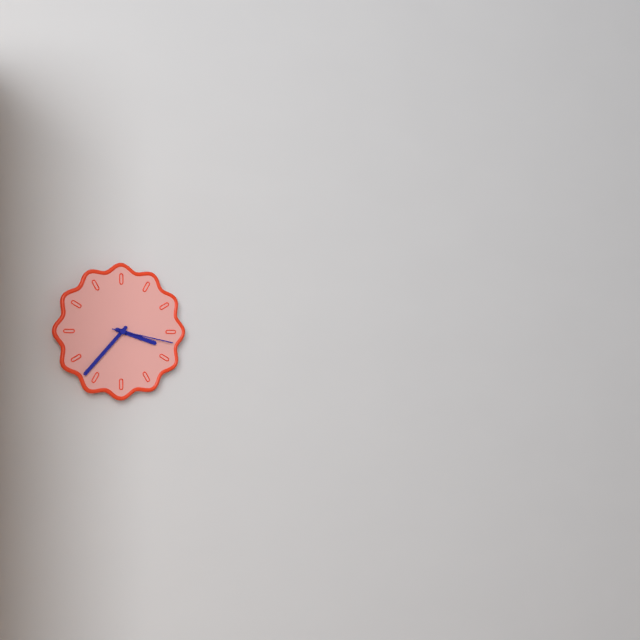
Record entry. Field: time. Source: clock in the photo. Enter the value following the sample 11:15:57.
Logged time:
3:37:17
